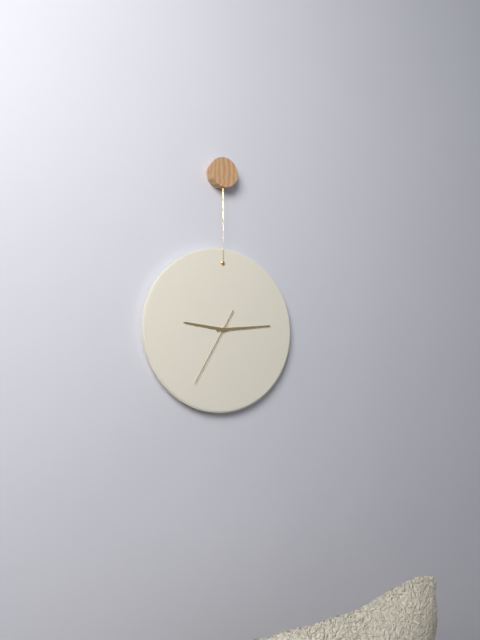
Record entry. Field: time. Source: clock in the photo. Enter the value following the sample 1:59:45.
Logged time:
9:14:35
